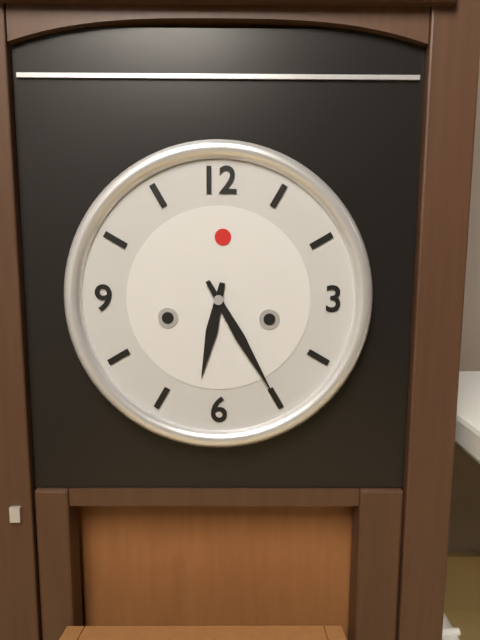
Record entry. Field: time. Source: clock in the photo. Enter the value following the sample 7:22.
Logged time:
6:25
